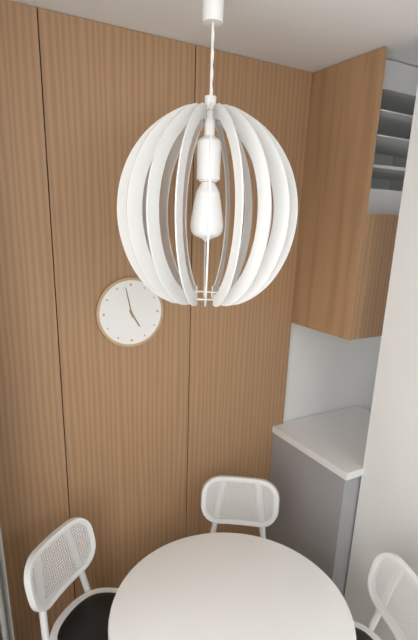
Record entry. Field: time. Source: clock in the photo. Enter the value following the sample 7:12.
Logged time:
4:58
